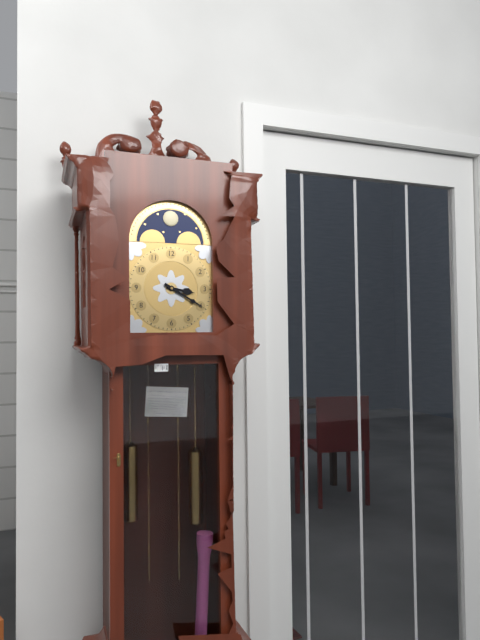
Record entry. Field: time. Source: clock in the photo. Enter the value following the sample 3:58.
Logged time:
3:20
